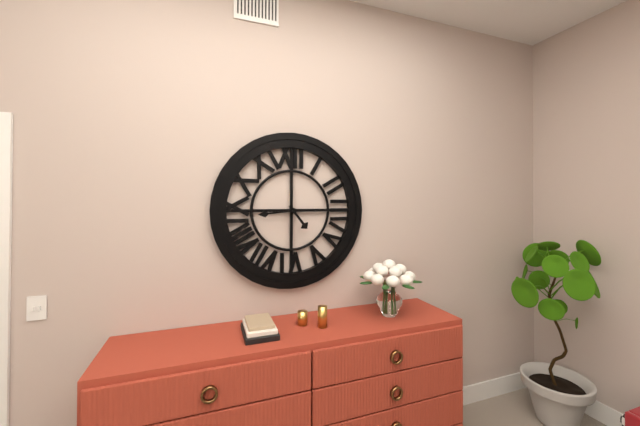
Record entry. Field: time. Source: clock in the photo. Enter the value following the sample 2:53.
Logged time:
4:44
